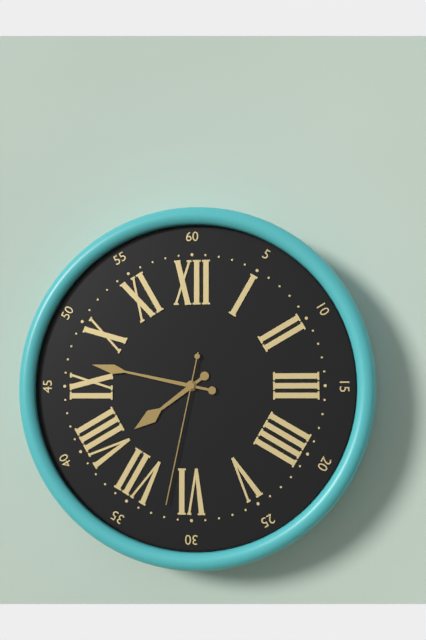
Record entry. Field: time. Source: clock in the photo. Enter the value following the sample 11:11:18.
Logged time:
7:47:32
